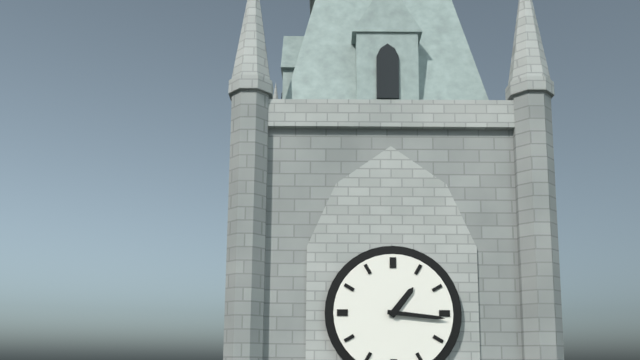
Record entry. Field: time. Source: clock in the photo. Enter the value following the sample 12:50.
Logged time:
1:16
